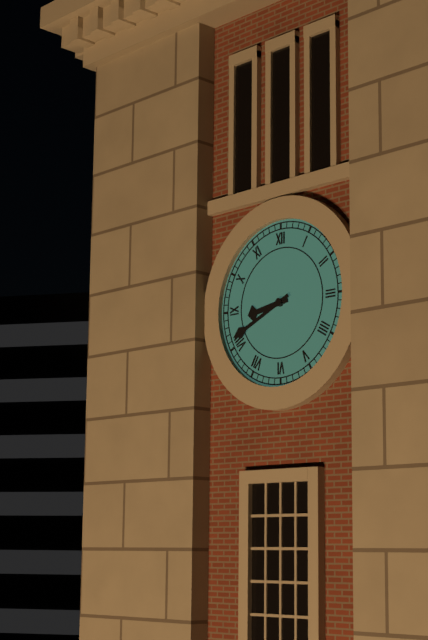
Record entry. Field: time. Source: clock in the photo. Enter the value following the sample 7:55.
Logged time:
8:41
